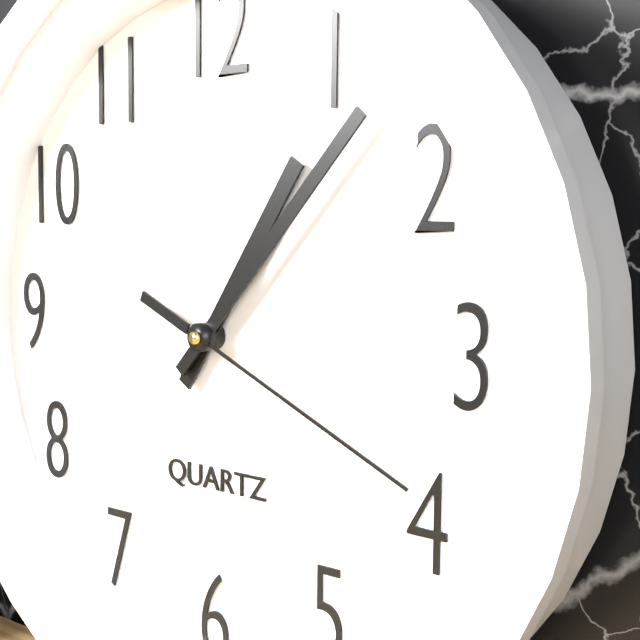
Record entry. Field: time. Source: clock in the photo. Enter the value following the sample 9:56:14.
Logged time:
1:07:19
